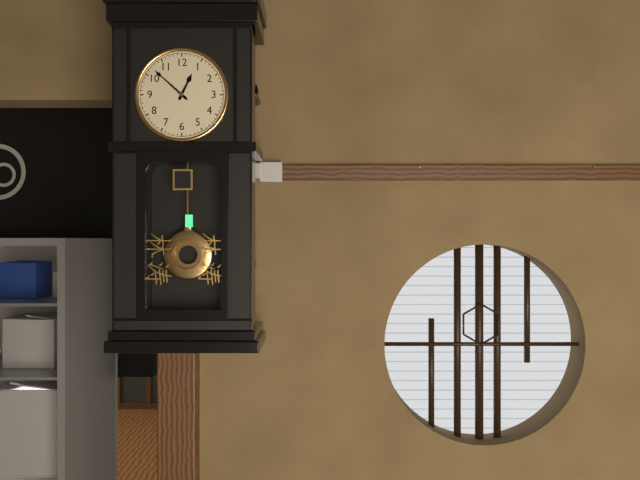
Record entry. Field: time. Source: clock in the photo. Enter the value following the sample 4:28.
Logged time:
12:52
